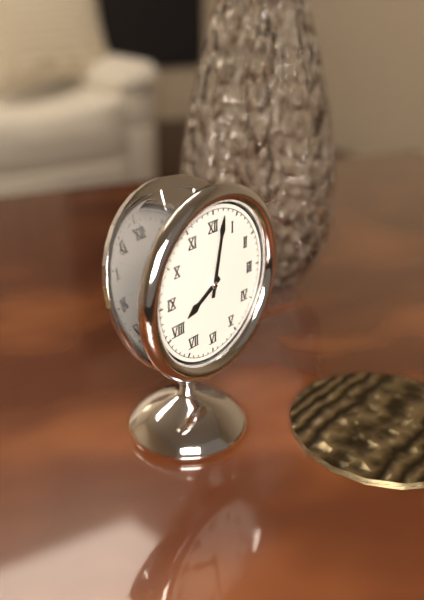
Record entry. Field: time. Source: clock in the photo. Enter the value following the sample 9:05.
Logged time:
8:02
